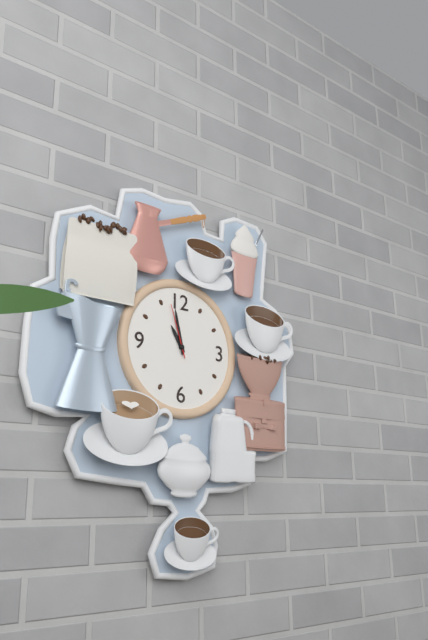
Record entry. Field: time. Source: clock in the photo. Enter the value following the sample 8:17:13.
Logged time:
10:58:57
